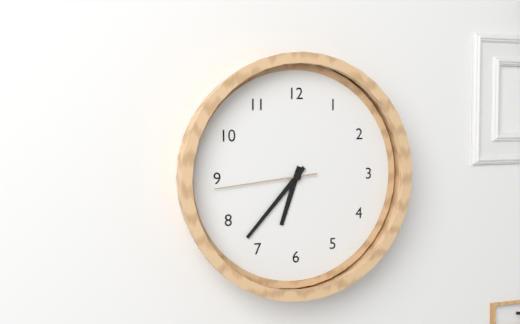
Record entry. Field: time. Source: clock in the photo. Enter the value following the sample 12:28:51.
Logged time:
6:37:44
